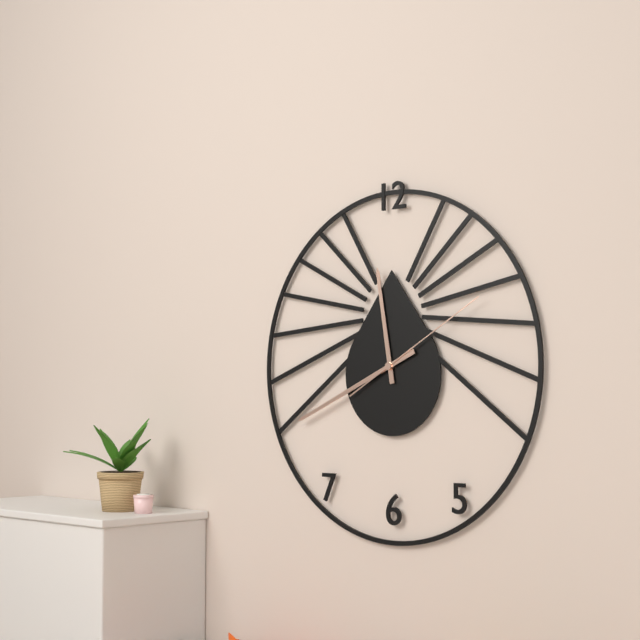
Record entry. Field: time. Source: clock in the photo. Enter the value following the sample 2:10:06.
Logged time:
11:41:10
